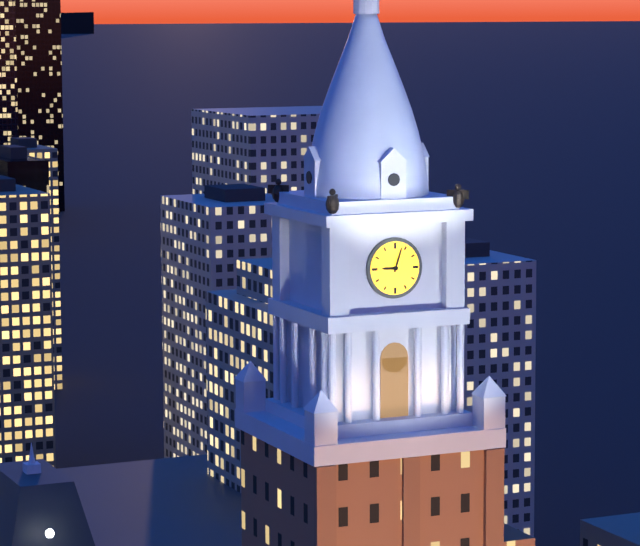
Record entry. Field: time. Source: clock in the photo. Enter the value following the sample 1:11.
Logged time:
9:03
